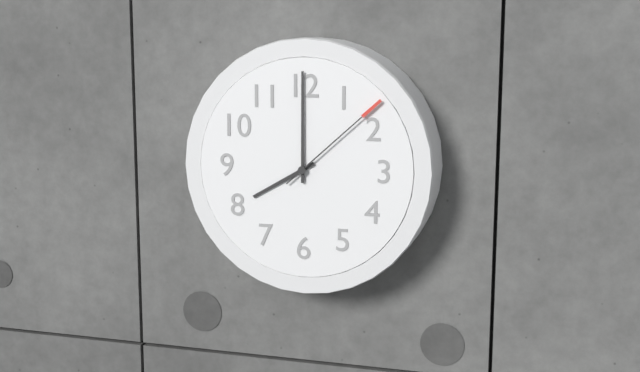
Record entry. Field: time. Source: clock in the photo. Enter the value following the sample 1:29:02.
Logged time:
8:00:08
